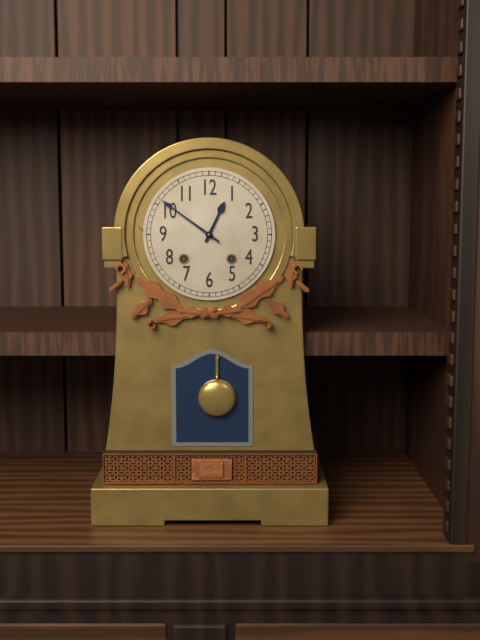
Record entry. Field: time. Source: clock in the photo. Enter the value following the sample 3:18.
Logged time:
12:51
